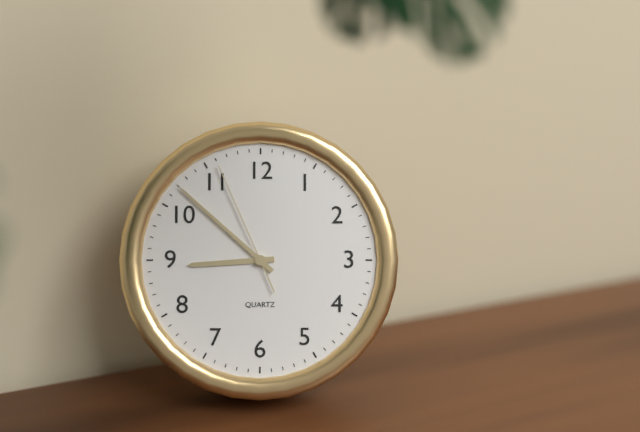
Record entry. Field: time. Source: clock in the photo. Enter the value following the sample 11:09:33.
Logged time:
8:52:56
